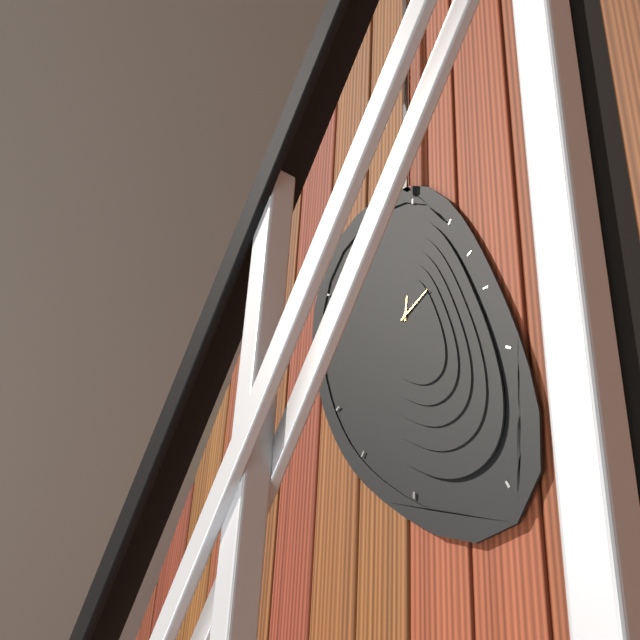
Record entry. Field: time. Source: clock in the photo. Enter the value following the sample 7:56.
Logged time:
12:10
